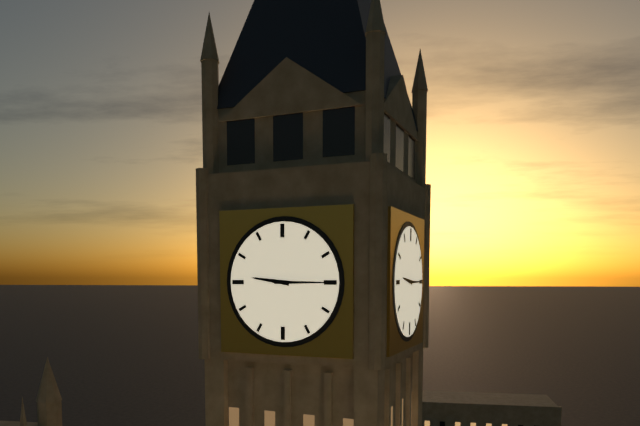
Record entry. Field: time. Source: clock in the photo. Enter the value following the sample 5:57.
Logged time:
9:15
